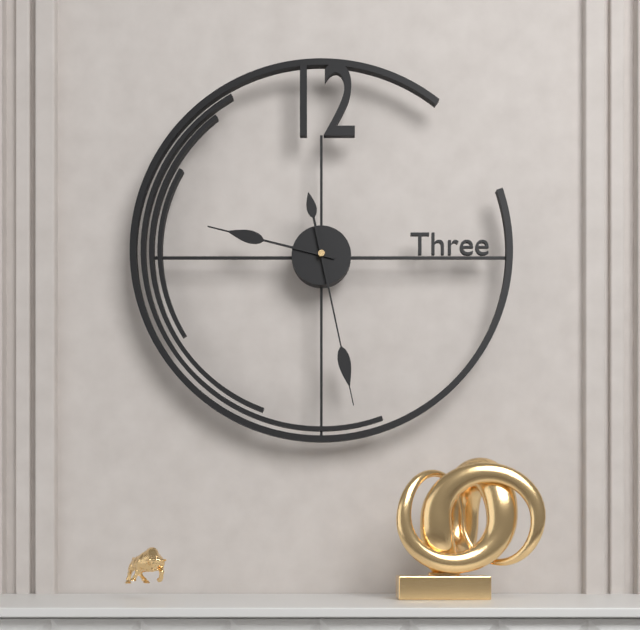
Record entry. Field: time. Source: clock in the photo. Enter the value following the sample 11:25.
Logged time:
9:28
